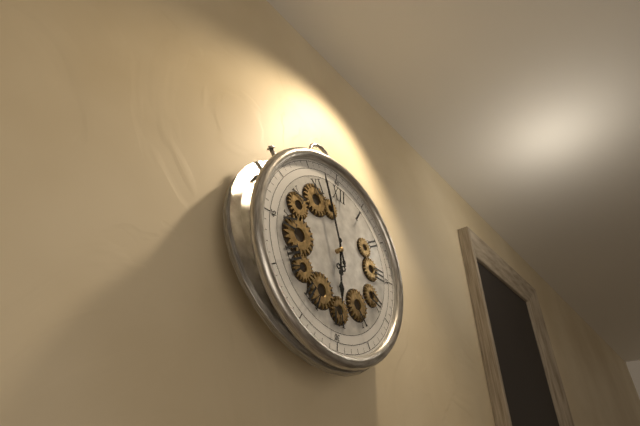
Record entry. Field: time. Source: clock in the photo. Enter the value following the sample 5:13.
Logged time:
5:57
